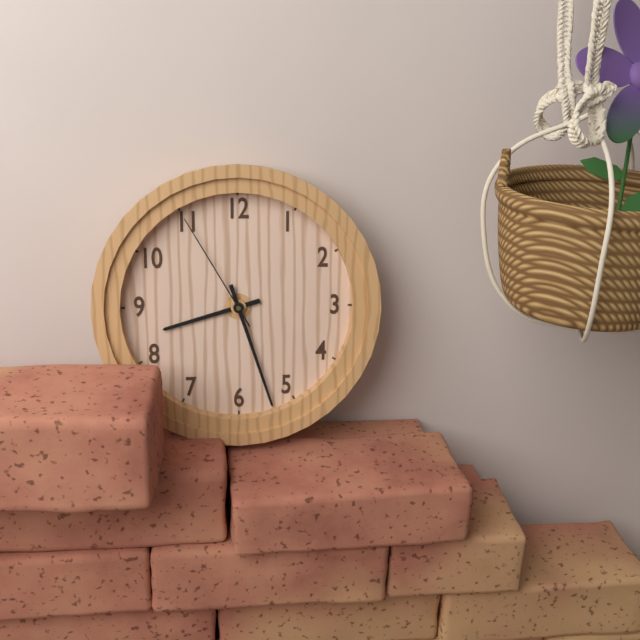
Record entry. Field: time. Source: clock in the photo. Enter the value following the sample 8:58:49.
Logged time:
8:27:55
